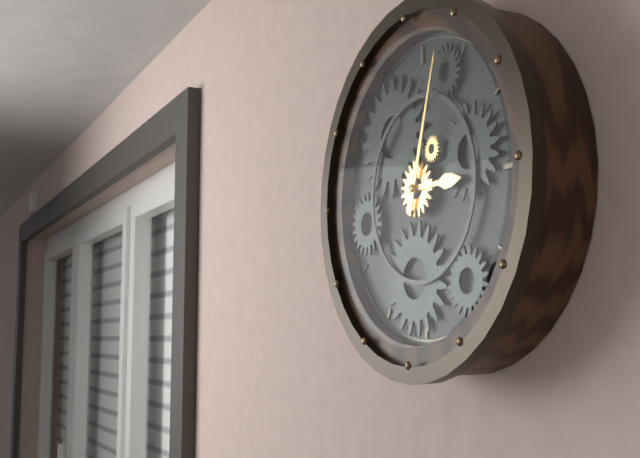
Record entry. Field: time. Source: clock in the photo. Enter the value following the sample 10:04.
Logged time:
3:03
